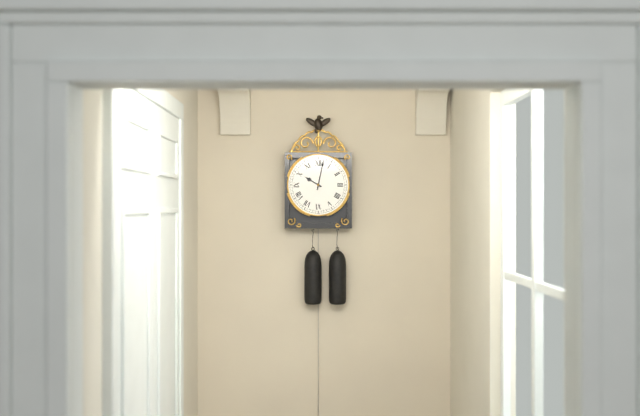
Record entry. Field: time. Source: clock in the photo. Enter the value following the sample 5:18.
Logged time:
10:02
